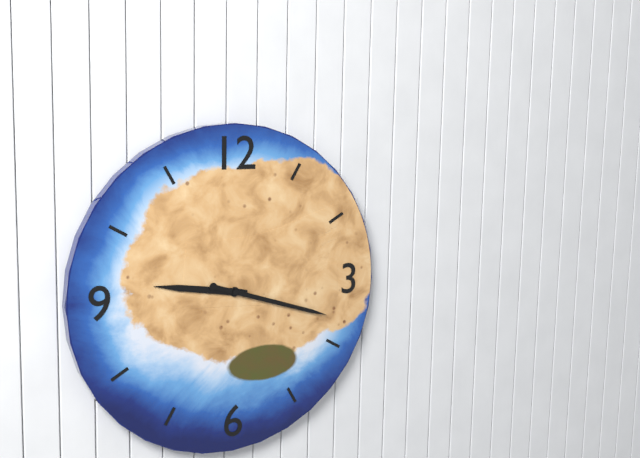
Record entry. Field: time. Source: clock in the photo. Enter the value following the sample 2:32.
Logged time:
9:18
